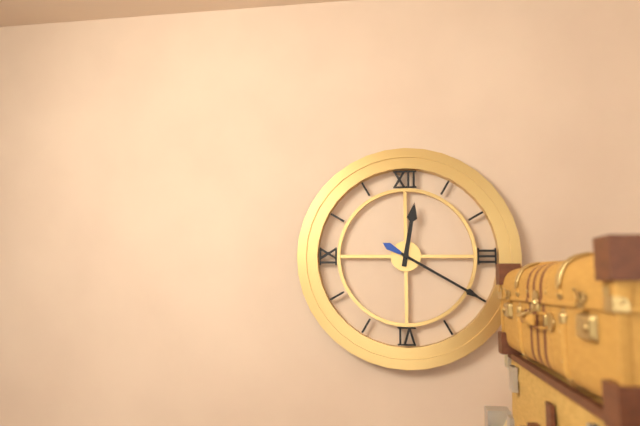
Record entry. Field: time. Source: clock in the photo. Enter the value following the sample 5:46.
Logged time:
12:20
